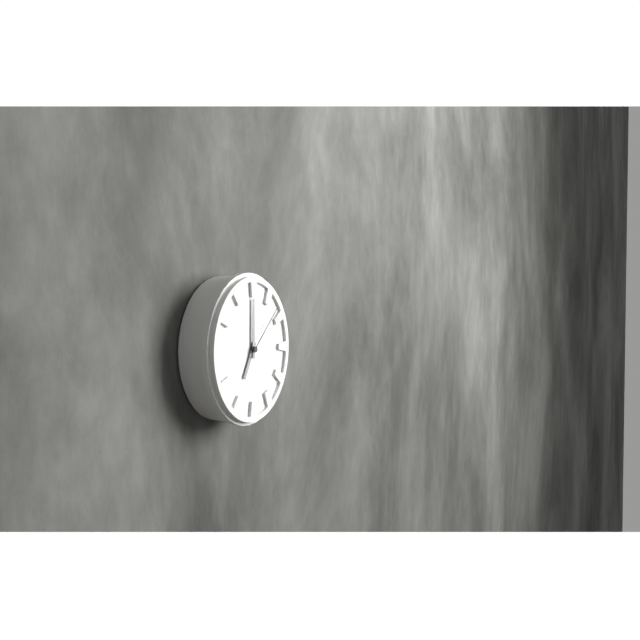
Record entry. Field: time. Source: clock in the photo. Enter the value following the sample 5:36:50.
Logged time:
7:00:08
